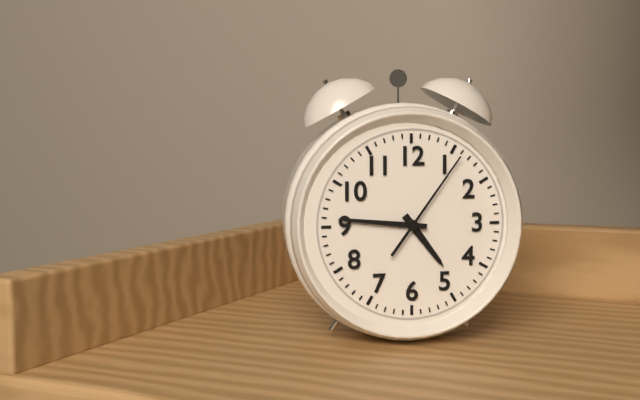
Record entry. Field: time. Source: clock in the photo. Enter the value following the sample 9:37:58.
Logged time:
4:46:06
